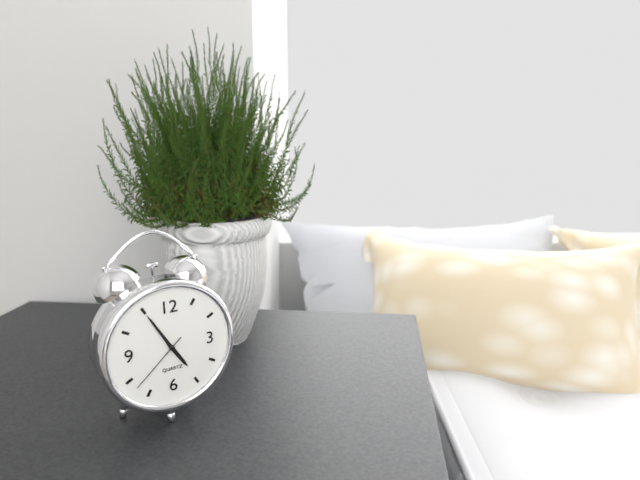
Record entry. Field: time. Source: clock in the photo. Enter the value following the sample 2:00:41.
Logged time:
4:55:38
